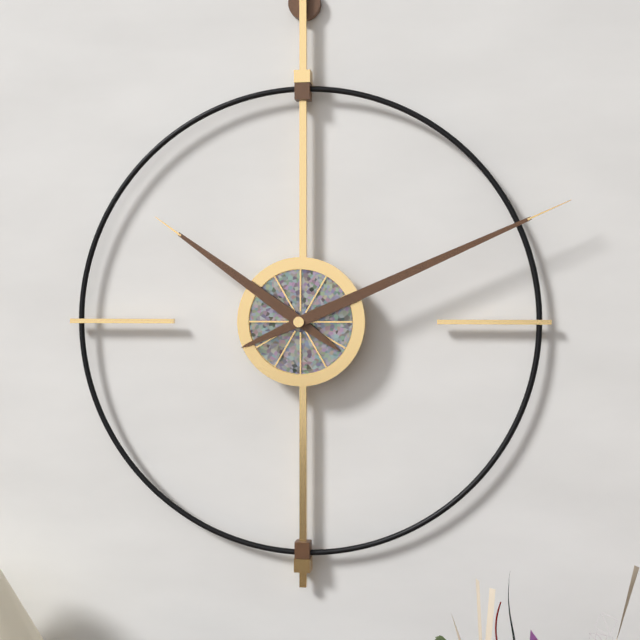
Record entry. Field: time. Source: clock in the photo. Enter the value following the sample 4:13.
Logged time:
10:11
